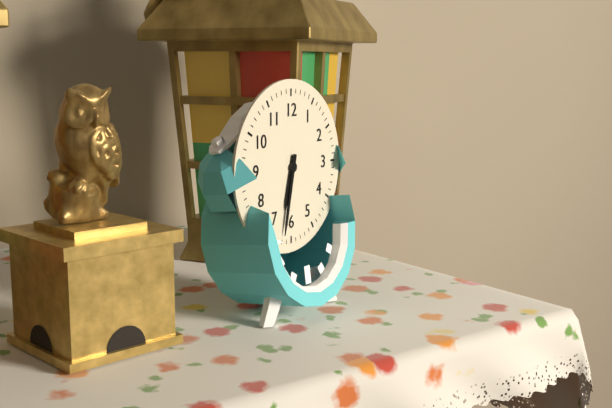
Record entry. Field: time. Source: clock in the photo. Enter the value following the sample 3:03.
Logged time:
6:32
